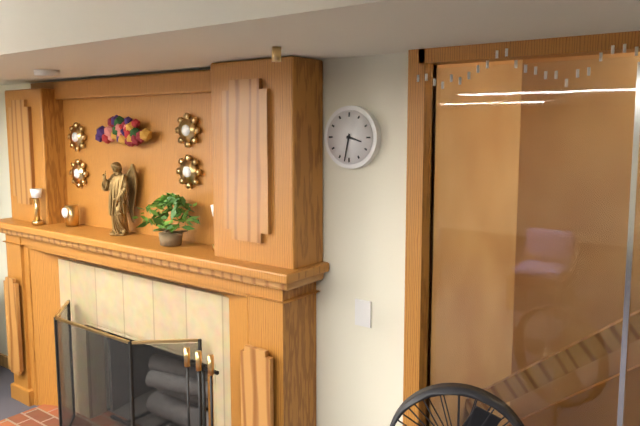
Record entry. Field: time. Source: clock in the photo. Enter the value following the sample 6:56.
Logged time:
3:32
